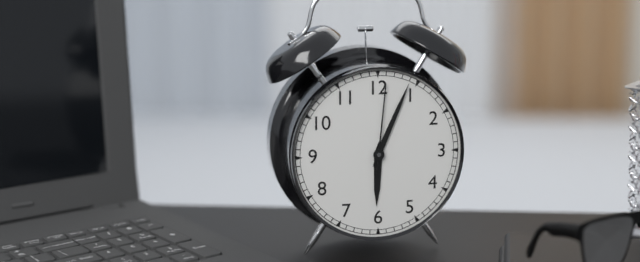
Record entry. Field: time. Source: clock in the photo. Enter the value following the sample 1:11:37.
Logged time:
6:04:01
